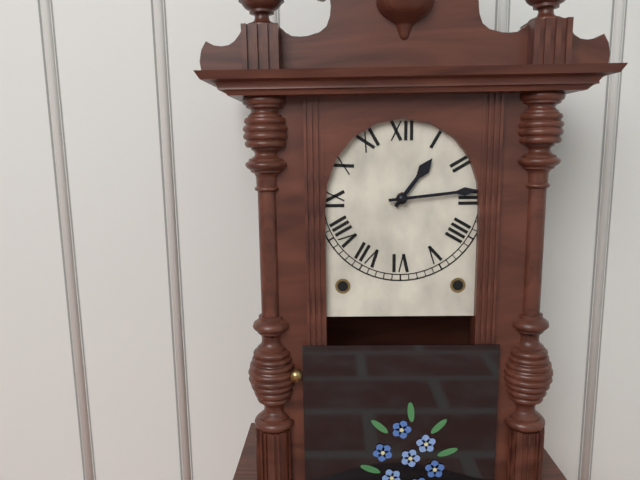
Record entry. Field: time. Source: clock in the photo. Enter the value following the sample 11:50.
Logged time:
1:14
